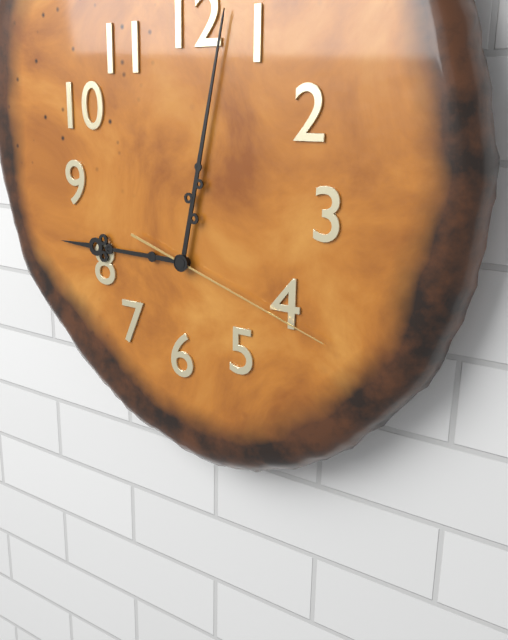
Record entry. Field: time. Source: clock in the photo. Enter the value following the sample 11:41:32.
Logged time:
9:02:18
